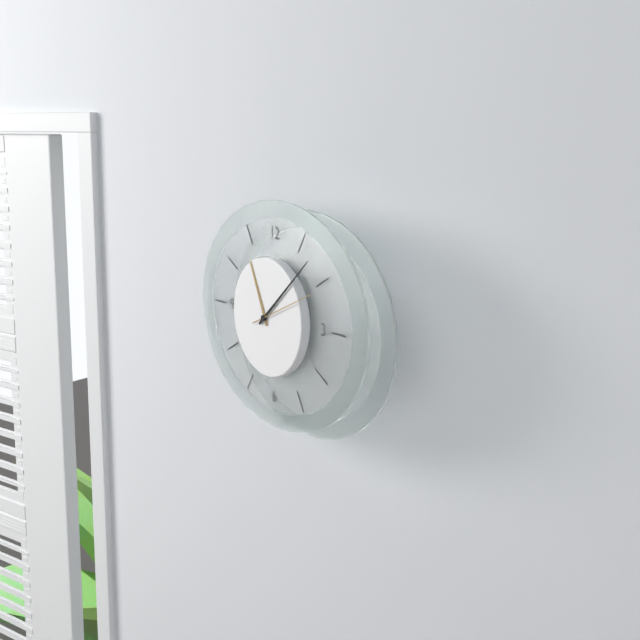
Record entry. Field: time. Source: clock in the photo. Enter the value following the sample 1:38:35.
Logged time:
11:08:11
